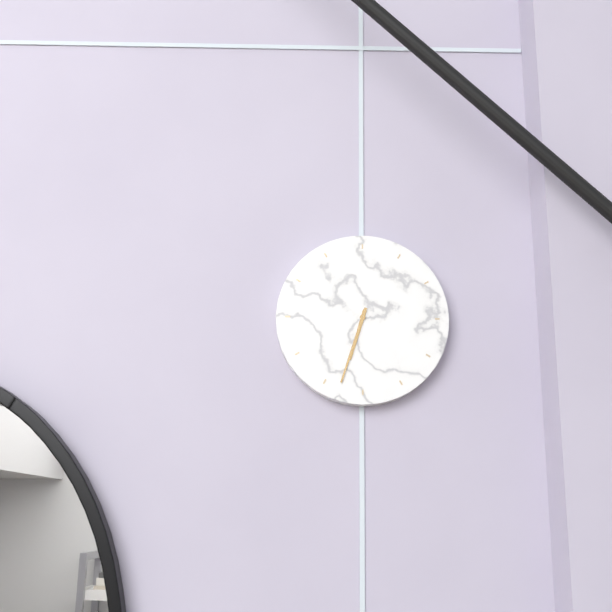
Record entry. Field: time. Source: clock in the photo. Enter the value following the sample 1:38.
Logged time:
6:33
